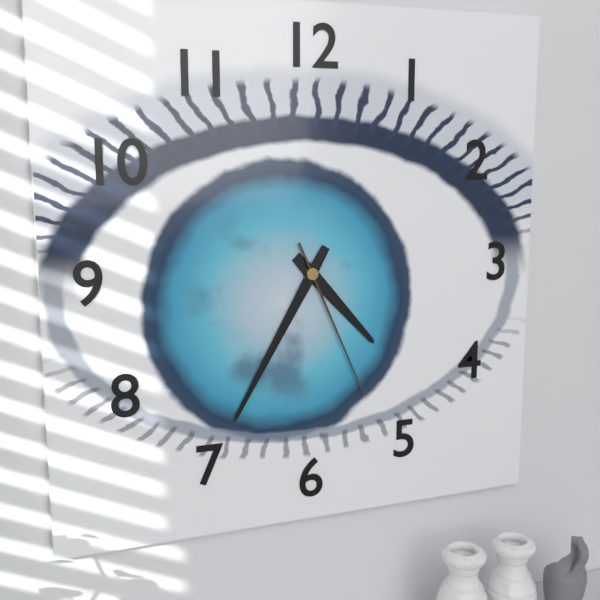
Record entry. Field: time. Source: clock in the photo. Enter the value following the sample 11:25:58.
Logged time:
4:35:26
